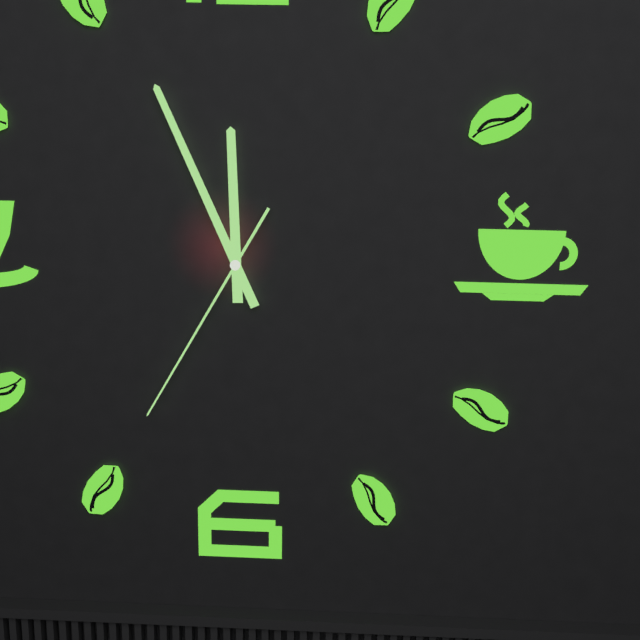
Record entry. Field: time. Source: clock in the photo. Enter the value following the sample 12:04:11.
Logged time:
11:56:35
